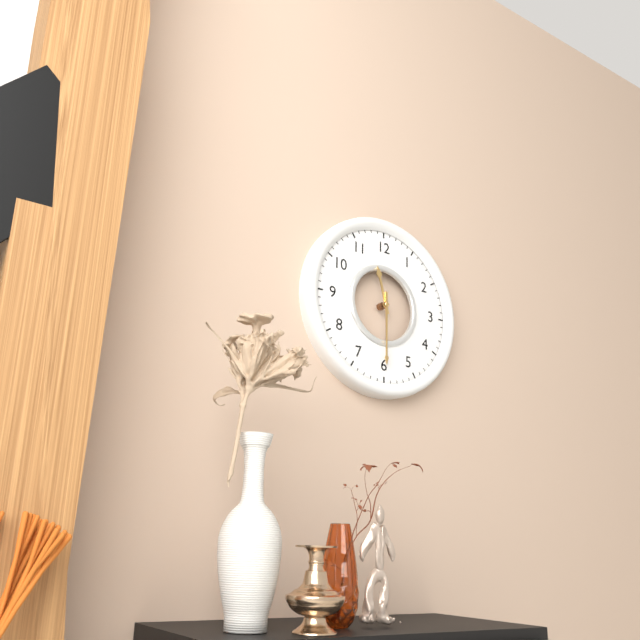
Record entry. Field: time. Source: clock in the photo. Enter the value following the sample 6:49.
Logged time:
11:30
